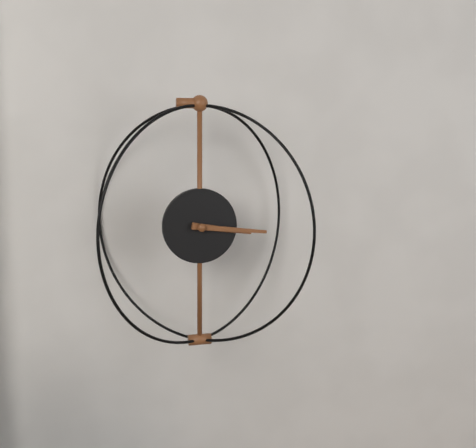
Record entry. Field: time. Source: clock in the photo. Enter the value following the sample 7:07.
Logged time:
3:16
